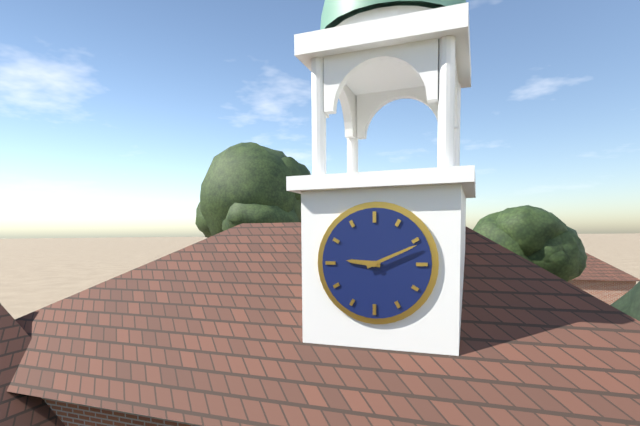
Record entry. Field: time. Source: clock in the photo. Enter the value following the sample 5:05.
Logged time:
9:11
